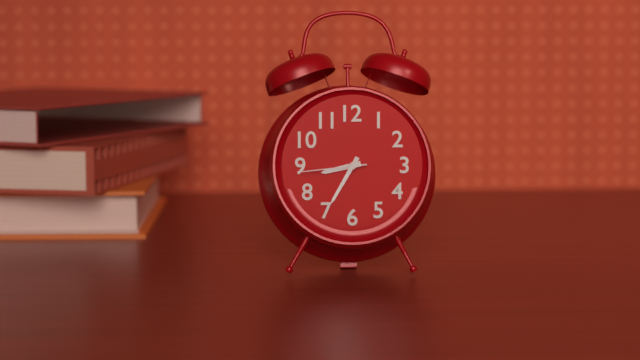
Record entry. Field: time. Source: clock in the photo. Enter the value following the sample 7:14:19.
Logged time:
8:35:44
